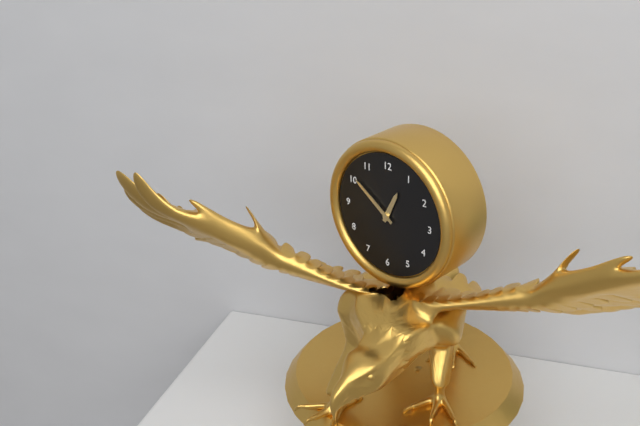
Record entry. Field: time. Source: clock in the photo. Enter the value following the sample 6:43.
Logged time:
12:51
